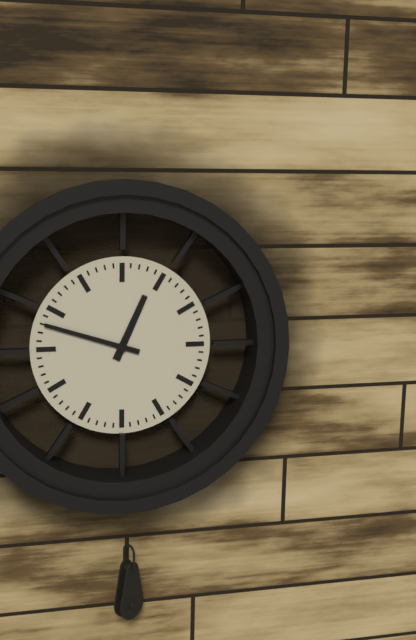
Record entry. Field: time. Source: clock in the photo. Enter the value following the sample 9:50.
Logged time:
12:48
